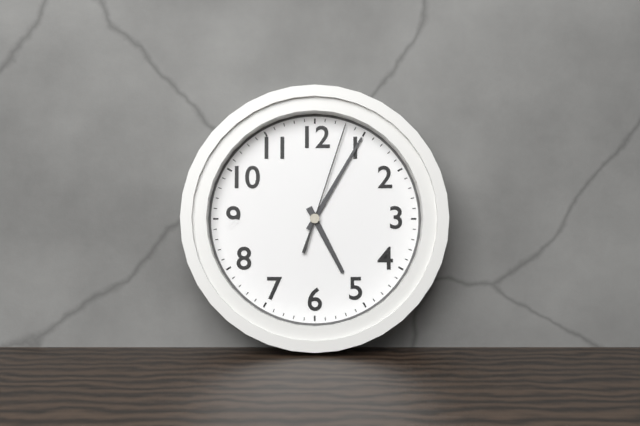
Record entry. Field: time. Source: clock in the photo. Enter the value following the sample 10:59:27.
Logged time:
5:05:03
